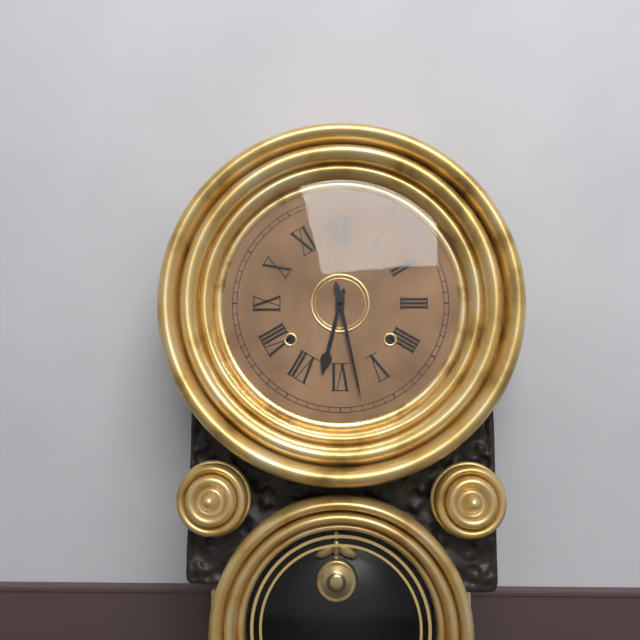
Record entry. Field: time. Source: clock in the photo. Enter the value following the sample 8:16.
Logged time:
6:28
